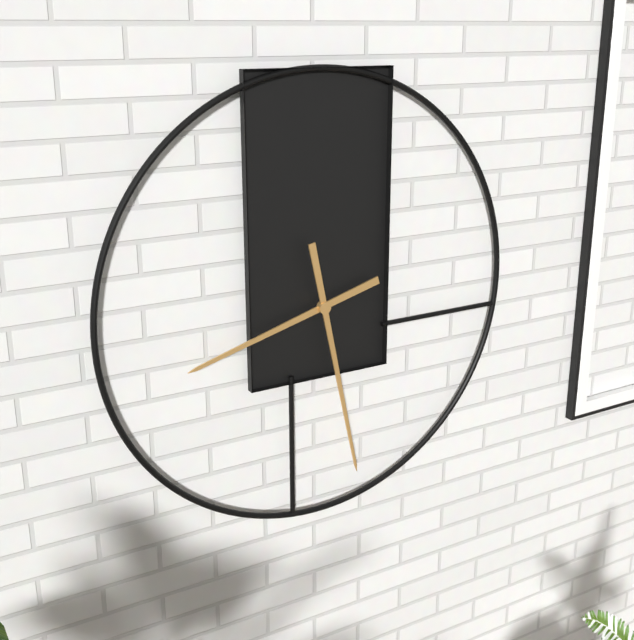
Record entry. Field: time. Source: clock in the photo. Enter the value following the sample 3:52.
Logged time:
8:28
